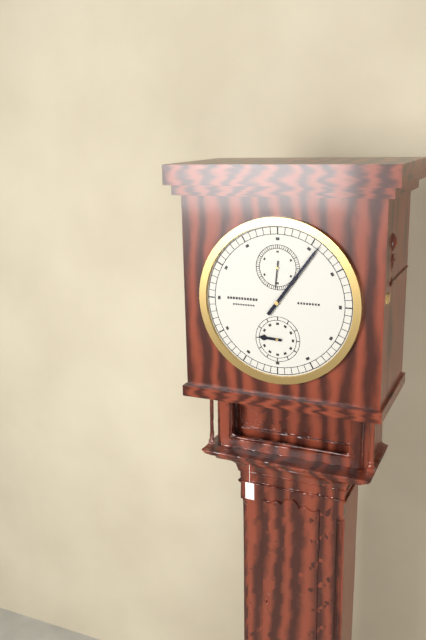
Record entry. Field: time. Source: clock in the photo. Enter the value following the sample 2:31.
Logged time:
9:06
